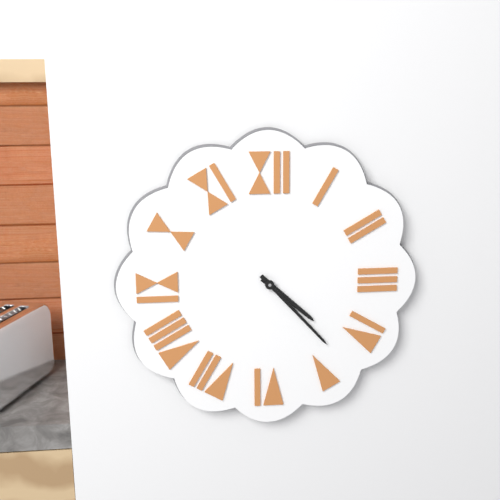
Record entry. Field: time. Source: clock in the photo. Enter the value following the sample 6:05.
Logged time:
4:23
